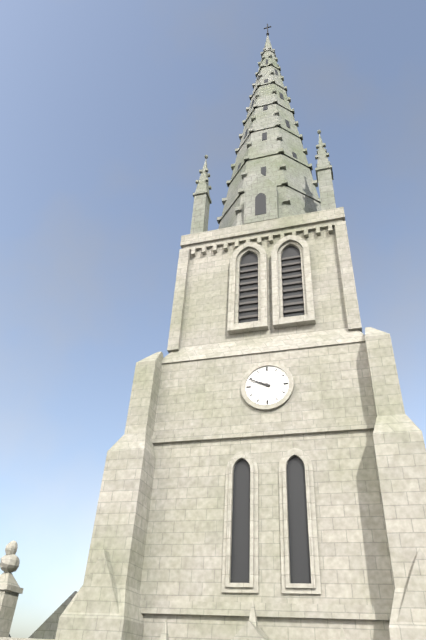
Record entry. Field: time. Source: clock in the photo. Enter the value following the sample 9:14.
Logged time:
9:49
